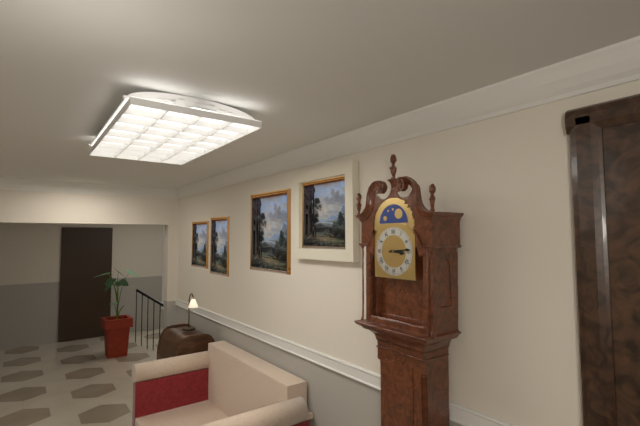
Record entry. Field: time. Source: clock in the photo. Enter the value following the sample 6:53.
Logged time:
3:14
